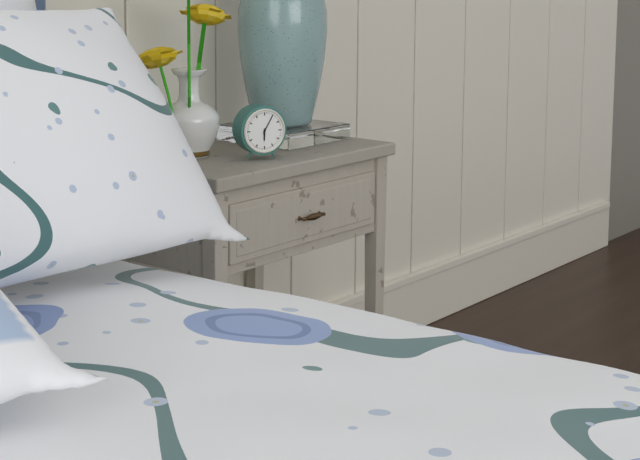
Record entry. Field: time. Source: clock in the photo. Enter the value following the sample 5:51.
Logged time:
6:05
